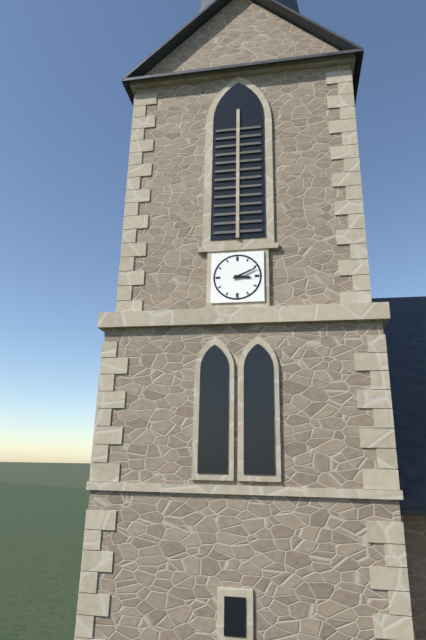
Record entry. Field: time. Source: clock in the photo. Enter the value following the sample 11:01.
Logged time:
3:11
